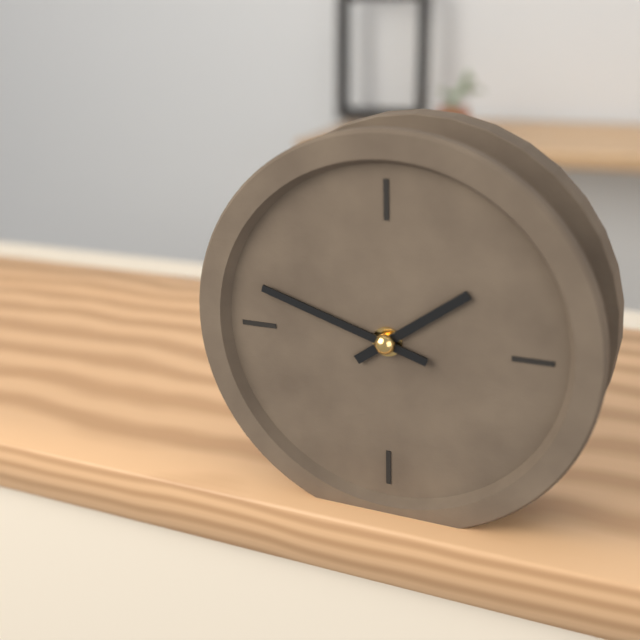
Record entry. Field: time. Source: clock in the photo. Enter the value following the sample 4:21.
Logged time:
1:48
